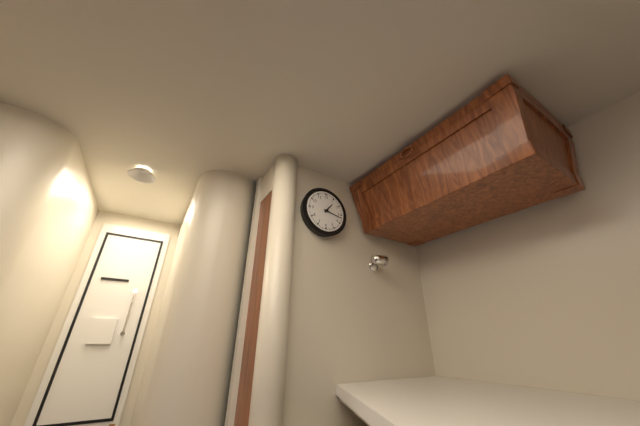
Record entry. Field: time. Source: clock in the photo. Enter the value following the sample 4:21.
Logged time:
1:17
